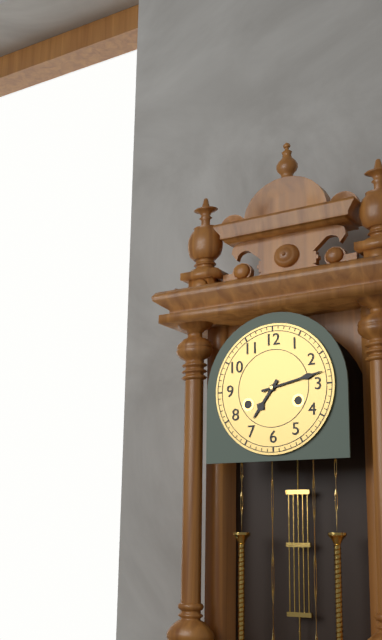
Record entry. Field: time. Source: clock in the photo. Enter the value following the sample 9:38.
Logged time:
7:13
